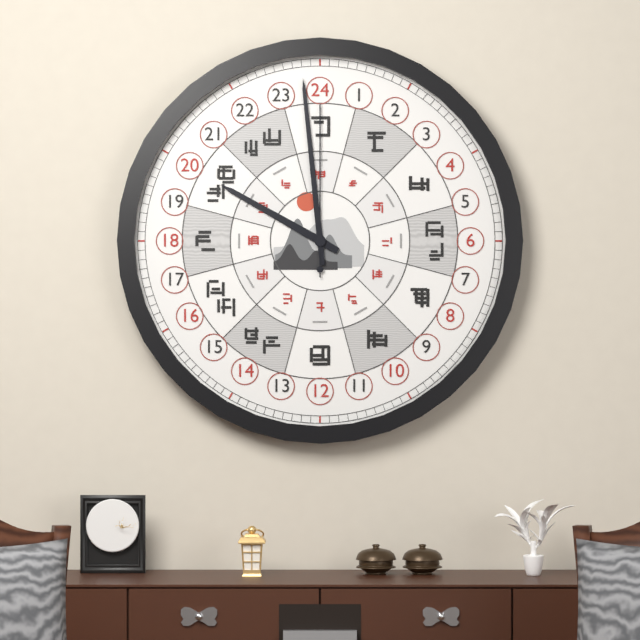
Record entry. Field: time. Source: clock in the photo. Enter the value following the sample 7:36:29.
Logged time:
9:59:00
